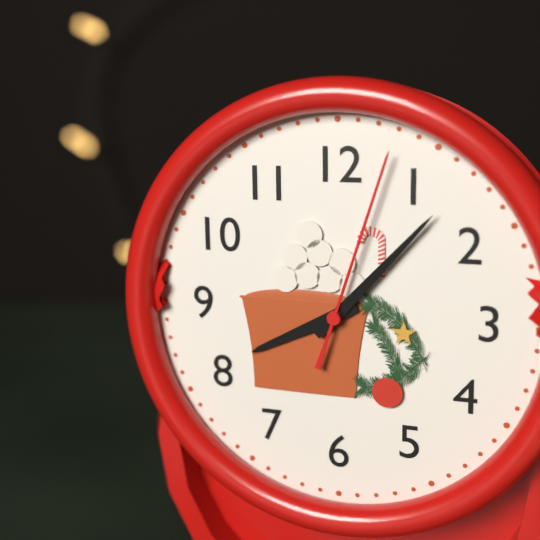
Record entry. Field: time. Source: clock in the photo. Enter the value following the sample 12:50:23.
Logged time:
8:07:03
